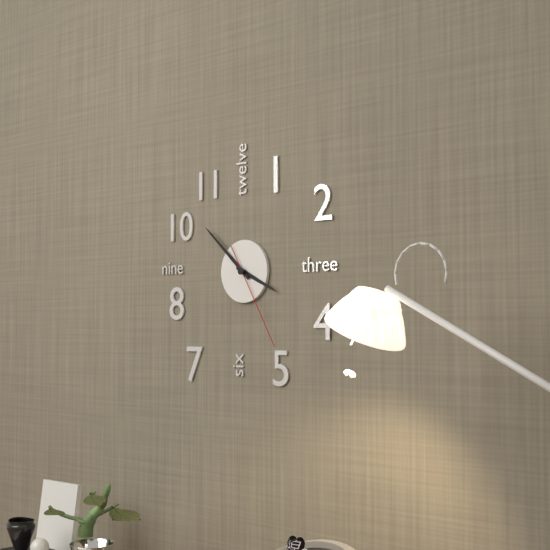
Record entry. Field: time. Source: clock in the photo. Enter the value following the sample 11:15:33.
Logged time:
3:52:25
